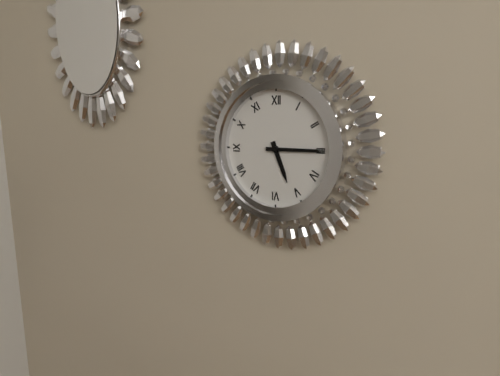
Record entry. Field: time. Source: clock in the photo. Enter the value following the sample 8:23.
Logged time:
5:15
